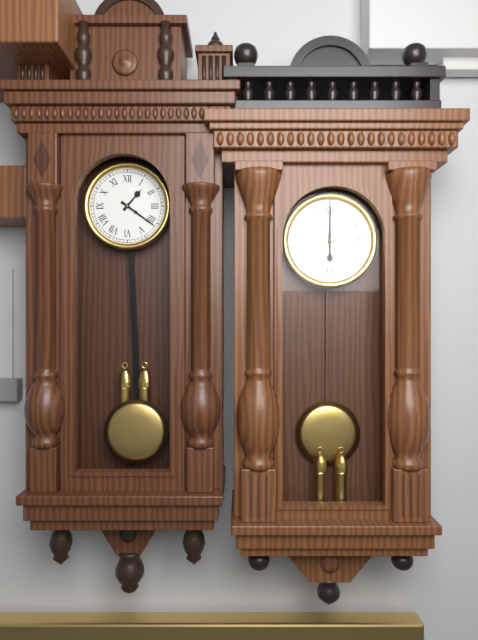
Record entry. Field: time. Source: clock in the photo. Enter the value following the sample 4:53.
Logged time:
1:21
